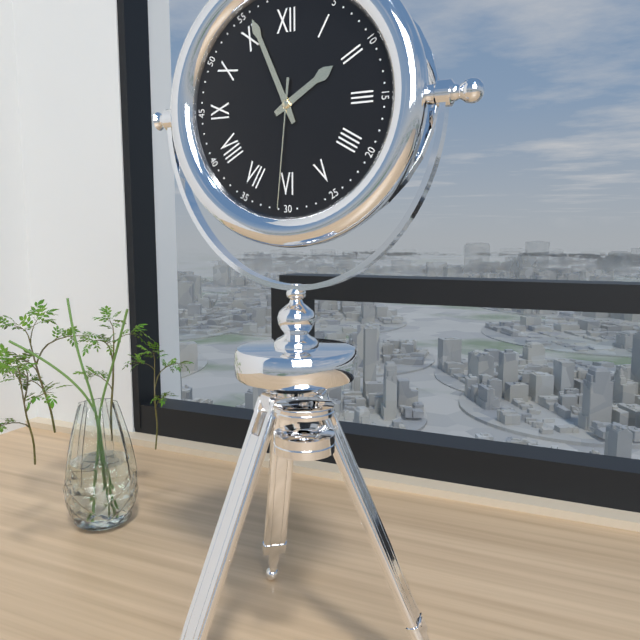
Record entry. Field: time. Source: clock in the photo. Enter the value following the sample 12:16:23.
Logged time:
1:56:31
